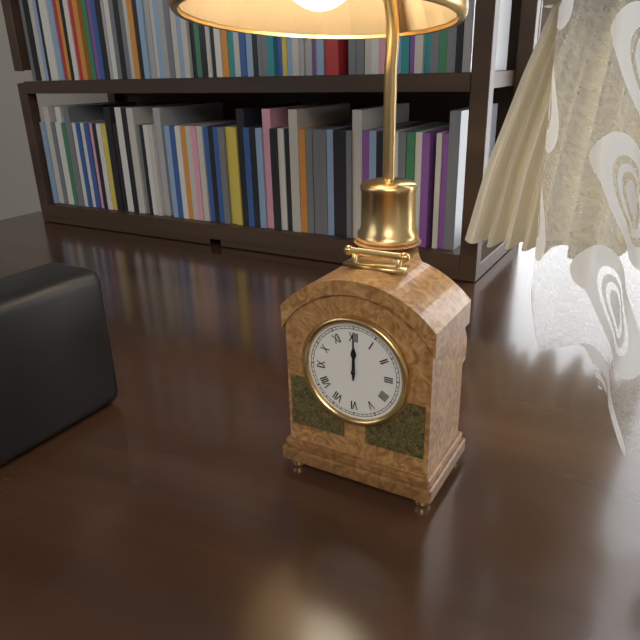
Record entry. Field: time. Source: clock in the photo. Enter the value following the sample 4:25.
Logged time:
12:00
